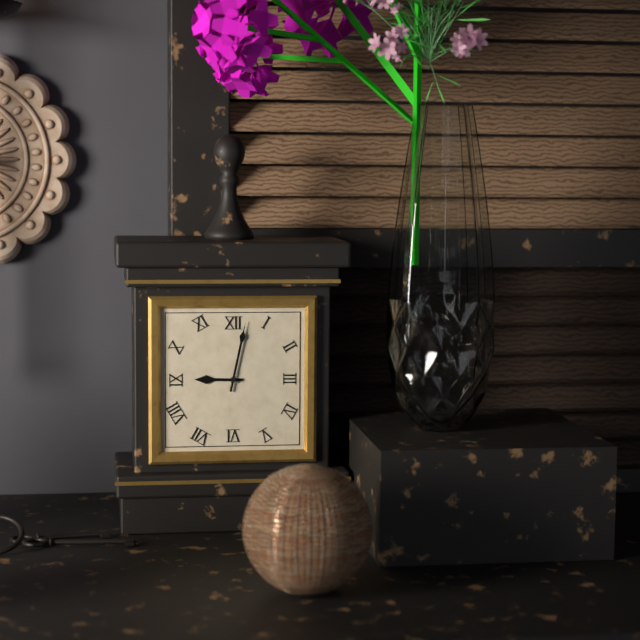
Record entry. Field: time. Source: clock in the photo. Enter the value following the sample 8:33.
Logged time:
9:02
